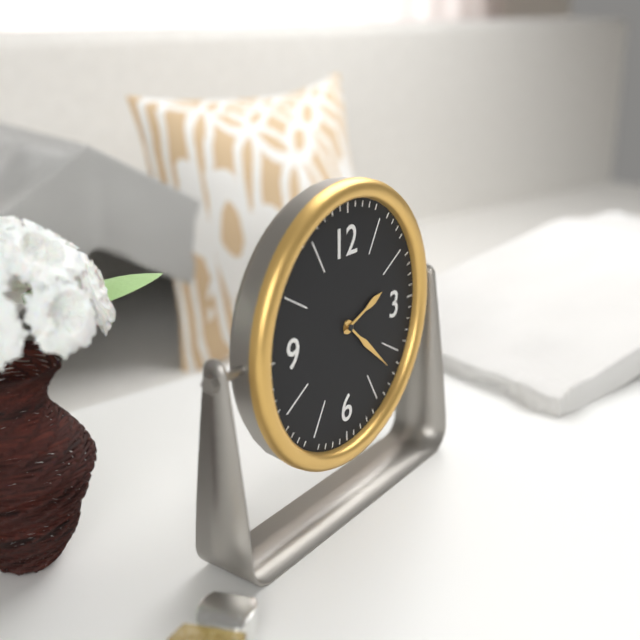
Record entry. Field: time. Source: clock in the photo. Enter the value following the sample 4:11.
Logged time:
2:22
